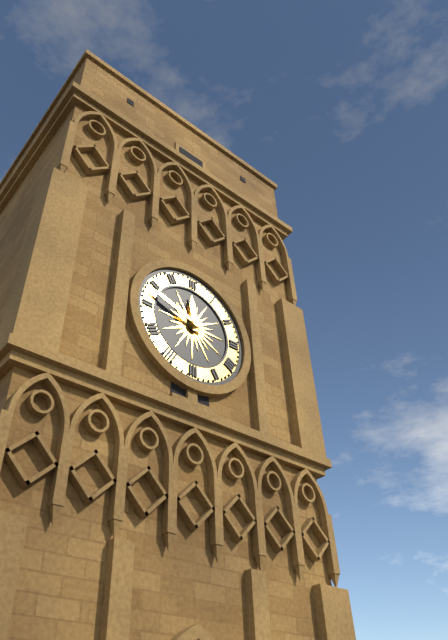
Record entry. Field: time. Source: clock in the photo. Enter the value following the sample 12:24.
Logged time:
11:48
